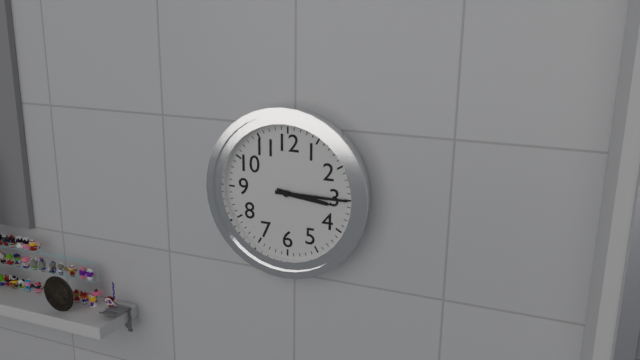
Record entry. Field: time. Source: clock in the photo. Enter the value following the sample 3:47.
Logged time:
3:15
